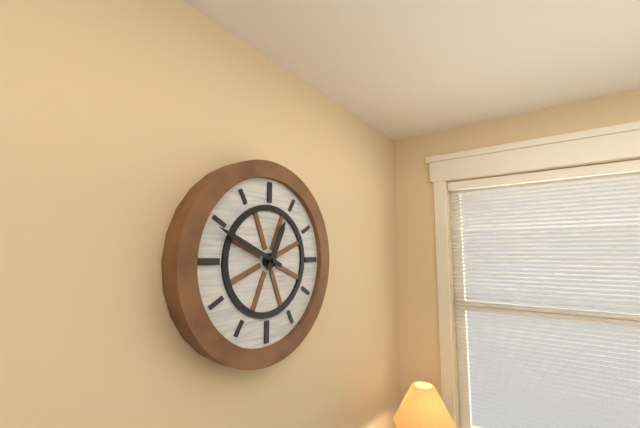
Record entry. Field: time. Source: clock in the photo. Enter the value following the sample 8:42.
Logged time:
12:49
